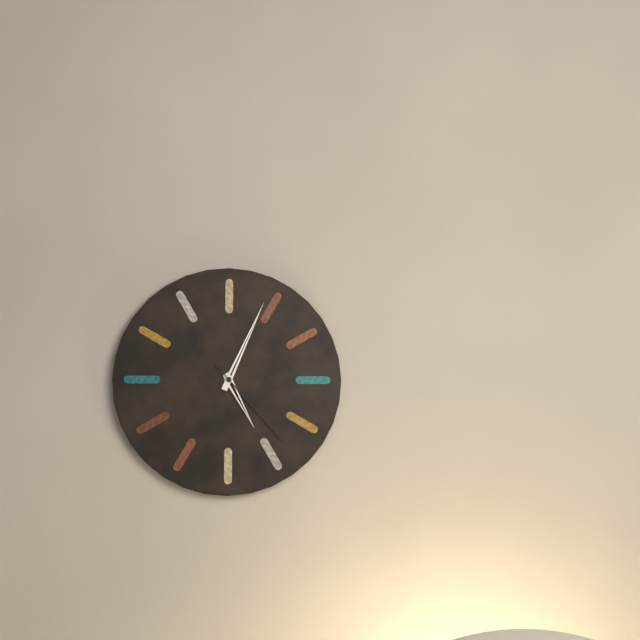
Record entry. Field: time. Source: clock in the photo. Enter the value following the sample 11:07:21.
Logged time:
5:04:23
